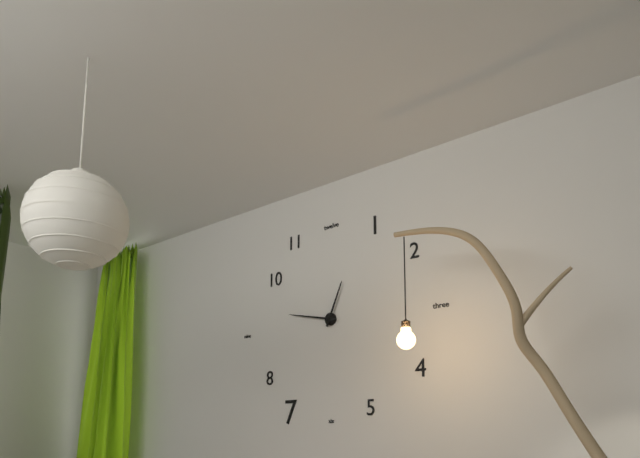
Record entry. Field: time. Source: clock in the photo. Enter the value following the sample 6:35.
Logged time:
12:47
